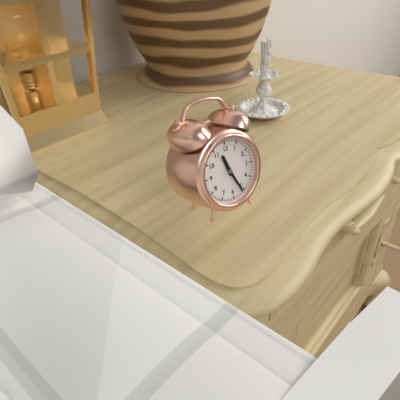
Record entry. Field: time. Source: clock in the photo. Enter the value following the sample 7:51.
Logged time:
11:26
